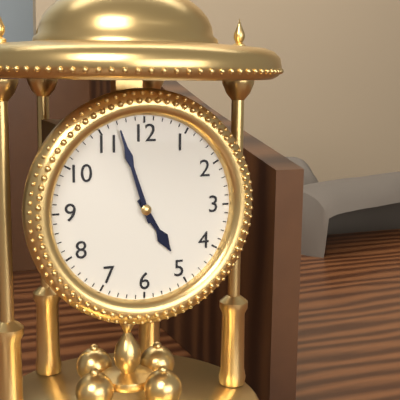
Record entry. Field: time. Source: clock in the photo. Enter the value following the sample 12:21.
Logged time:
4:57
